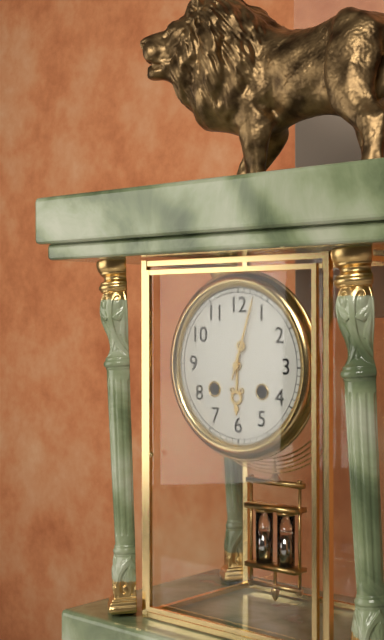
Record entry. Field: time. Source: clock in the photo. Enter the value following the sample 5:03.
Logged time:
6:03
